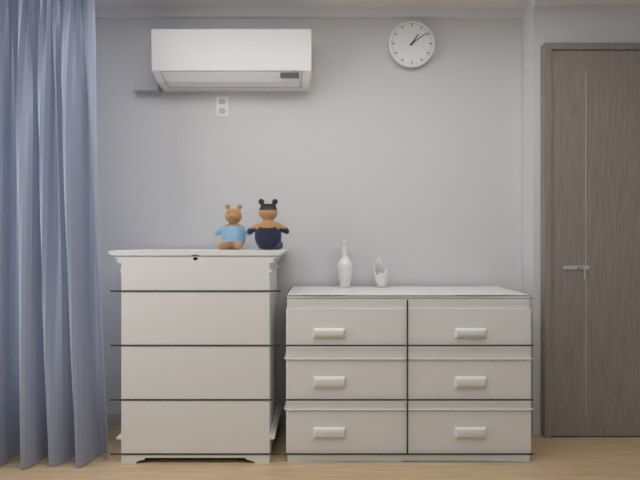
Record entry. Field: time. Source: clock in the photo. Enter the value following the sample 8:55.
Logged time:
1:09
